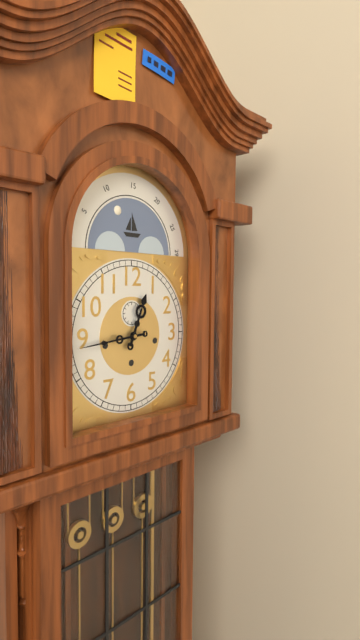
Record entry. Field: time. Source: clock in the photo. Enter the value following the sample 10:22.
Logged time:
12:44
